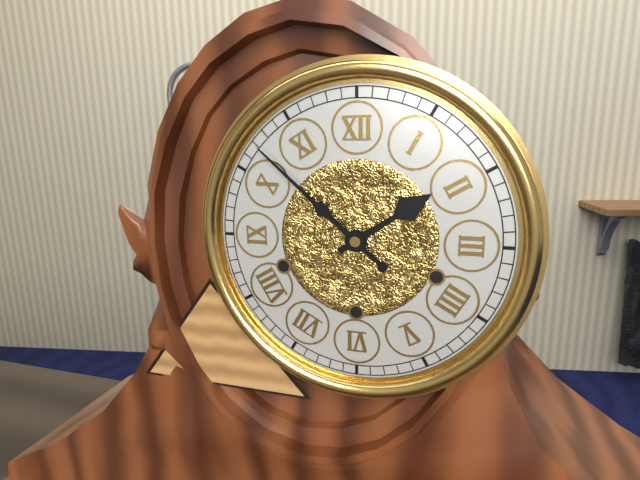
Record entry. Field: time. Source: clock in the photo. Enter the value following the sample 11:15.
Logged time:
1:52
